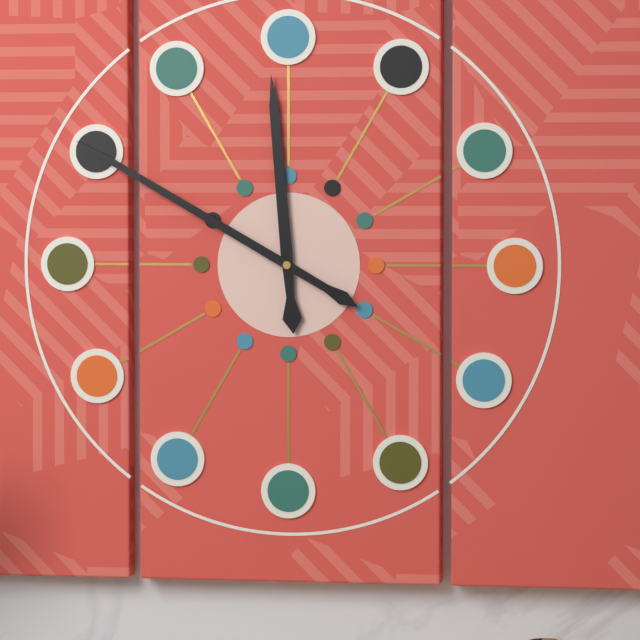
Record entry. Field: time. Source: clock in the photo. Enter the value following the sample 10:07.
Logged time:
11:50
